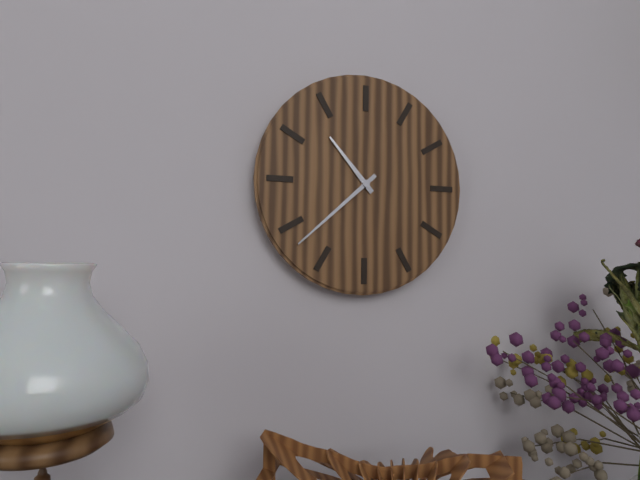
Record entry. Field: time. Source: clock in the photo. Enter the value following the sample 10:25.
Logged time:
10:38
